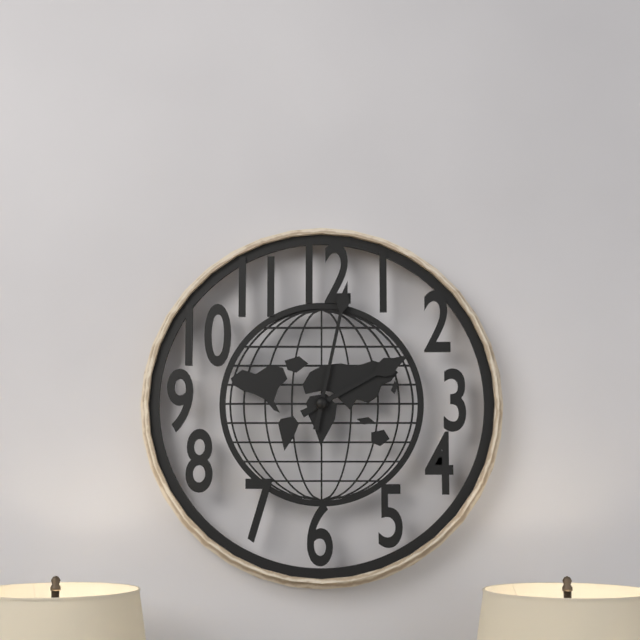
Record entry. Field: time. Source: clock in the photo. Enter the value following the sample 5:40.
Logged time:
2:02
